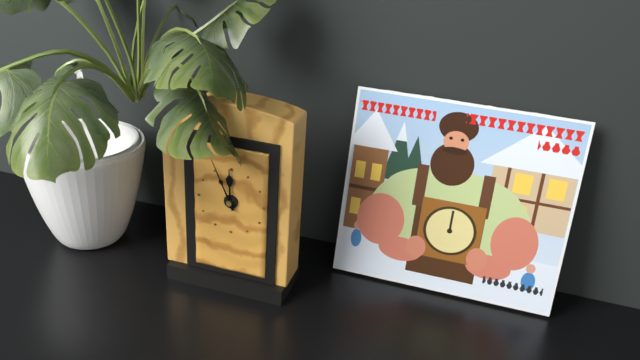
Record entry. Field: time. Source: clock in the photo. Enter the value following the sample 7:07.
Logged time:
11:56
